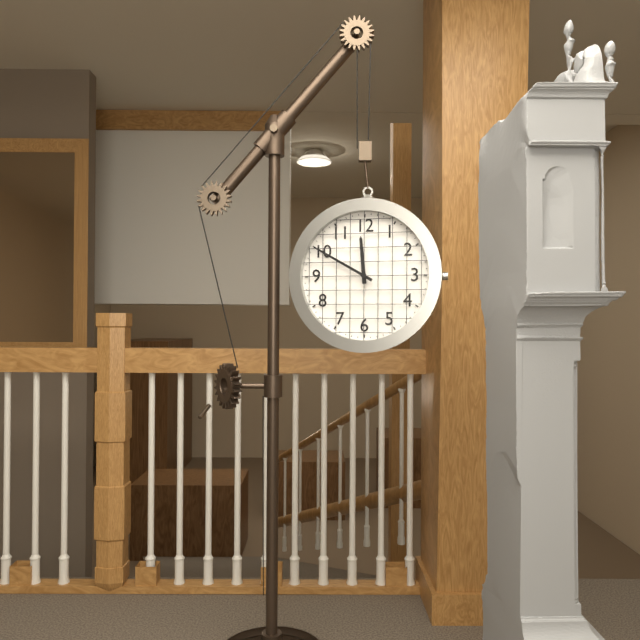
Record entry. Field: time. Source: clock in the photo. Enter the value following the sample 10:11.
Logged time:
11:50
